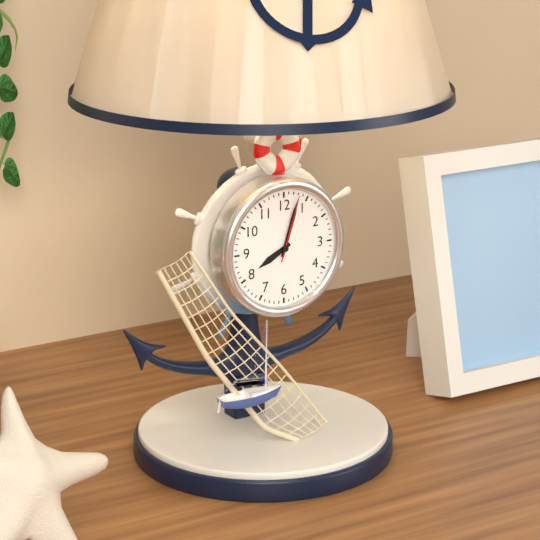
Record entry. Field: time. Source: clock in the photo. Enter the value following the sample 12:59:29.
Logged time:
8:03:03
